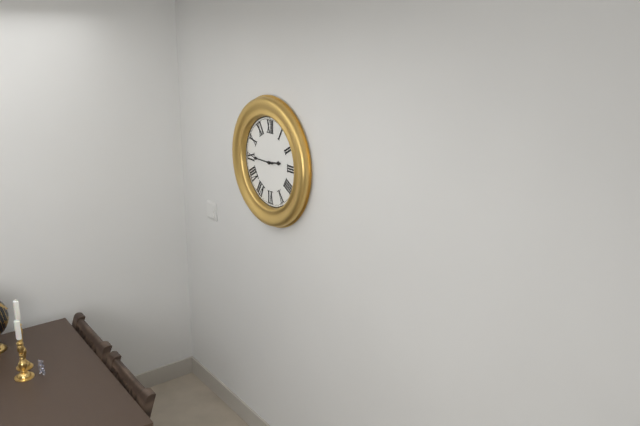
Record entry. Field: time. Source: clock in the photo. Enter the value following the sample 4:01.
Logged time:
2:45
